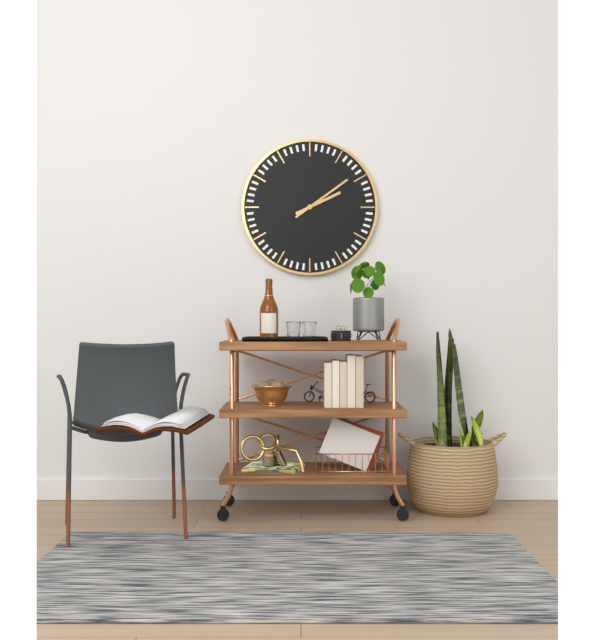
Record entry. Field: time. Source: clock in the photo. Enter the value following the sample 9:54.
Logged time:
2:09
